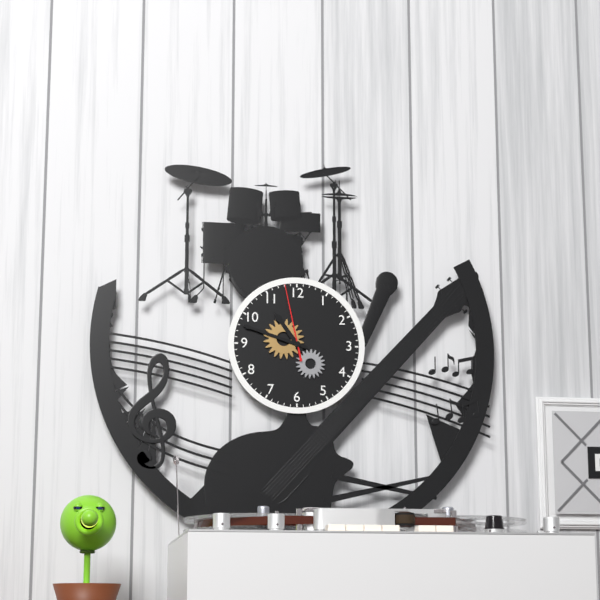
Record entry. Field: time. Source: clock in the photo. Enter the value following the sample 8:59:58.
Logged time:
10:48:58
